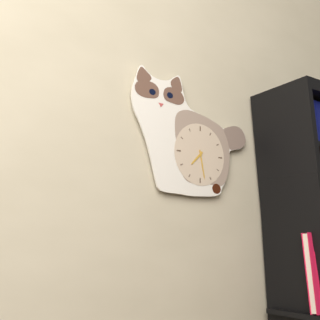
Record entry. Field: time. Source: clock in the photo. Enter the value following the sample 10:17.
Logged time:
7:28
